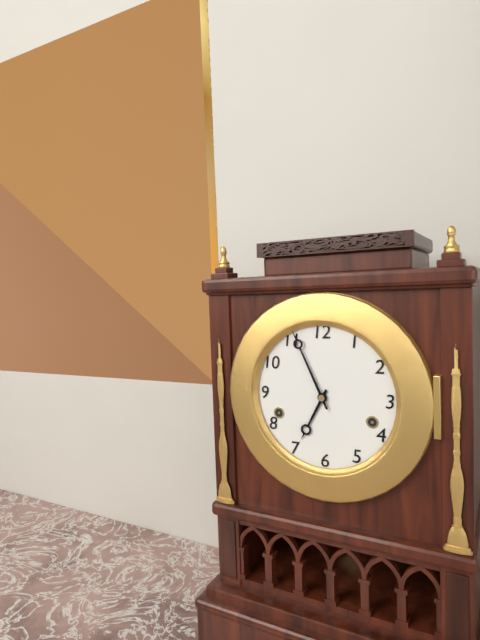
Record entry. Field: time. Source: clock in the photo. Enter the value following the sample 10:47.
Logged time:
6:56
